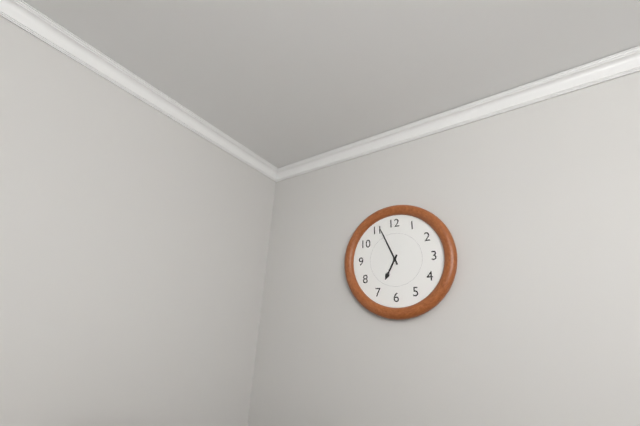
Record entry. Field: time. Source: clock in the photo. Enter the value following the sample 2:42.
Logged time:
6:56
